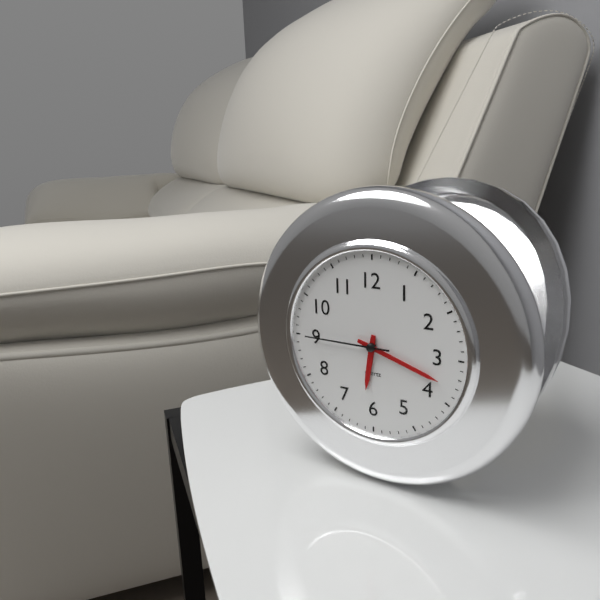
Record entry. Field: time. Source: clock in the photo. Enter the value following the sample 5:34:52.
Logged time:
6:18:45
